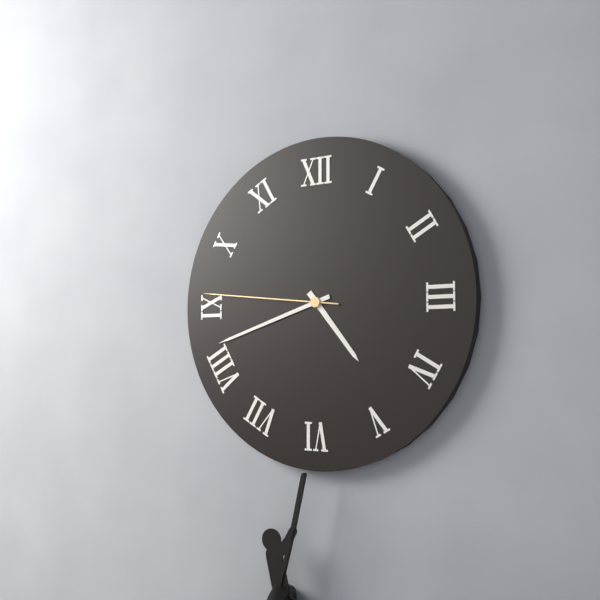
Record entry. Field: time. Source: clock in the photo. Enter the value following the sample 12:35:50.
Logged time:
4:42:46
